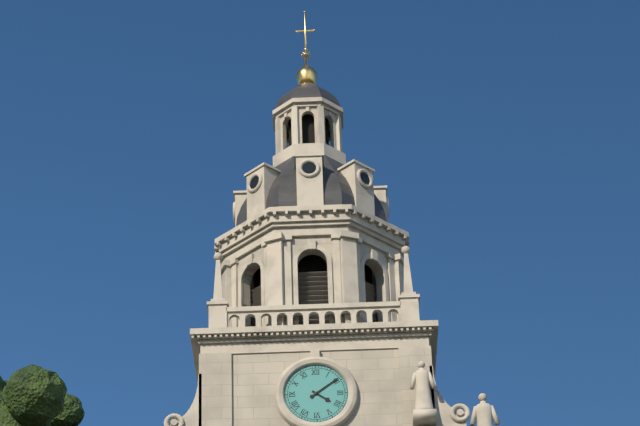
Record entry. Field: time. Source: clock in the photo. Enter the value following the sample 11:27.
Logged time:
4:09
